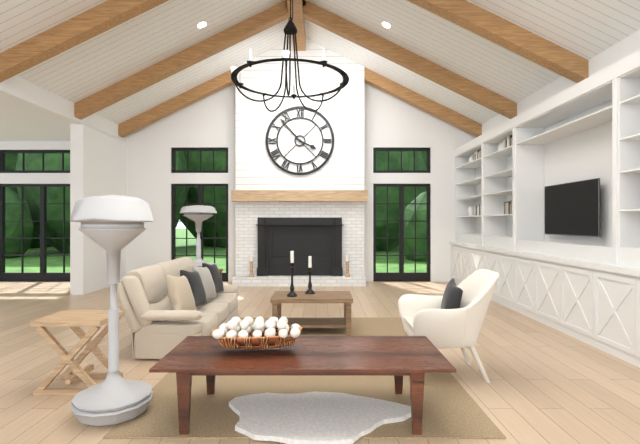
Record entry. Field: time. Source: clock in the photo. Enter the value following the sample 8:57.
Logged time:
3:53
